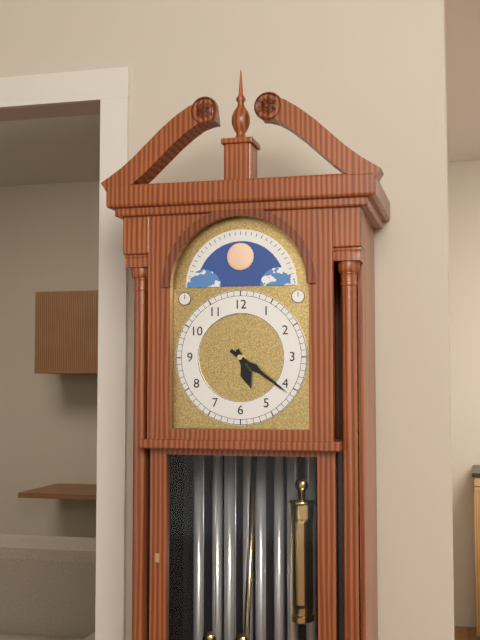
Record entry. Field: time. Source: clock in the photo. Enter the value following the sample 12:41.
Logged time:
5:21
